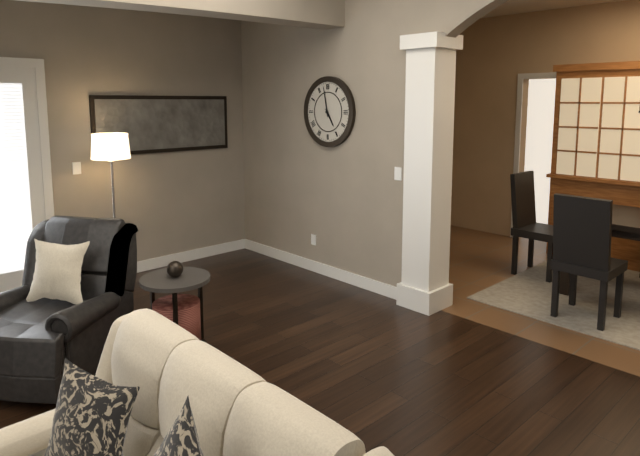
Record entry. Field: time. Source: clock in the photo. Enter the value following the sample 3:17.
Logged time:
4:58
